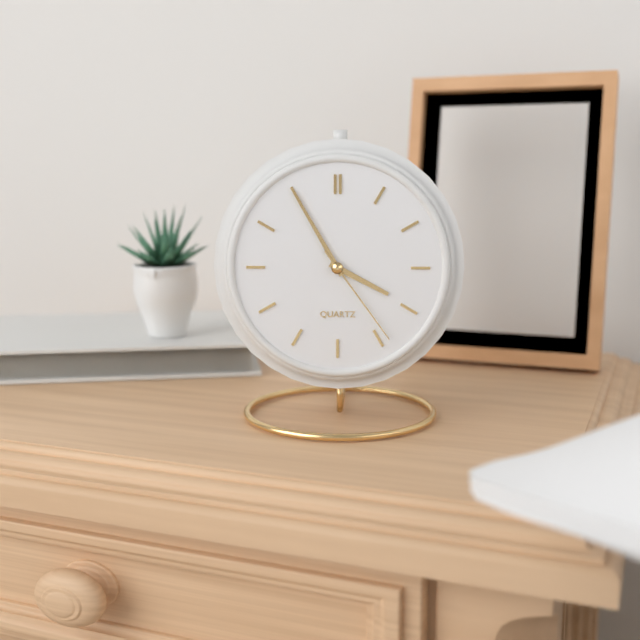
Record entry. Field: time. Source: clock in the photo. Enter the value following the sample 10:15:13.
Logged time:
3:55:24
